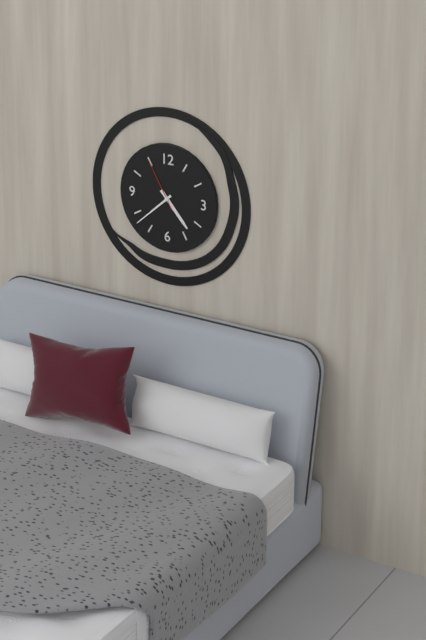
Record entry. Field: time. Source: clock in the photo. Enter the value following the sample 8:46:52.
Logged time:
4:38:55
